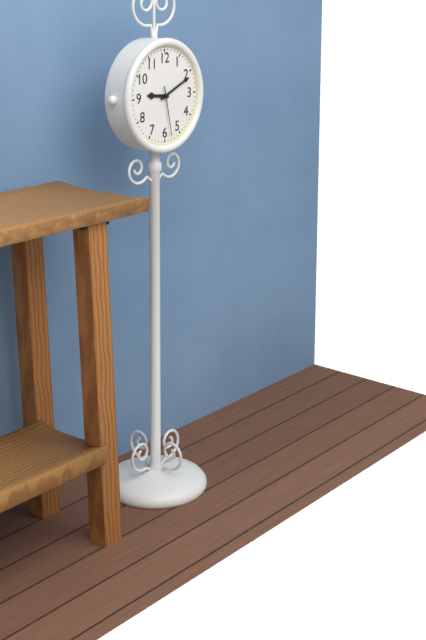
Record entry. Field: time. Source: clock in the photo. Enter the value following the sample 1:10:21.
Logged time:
9:11:28
